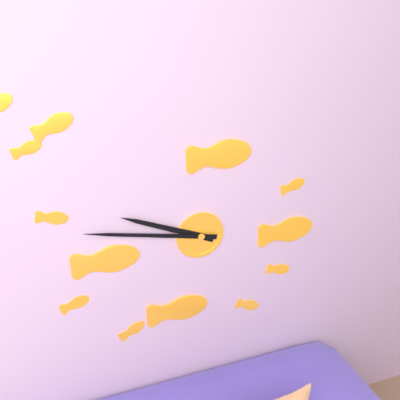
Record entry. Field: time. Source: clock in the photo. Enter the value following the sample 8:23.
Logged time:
9:47
